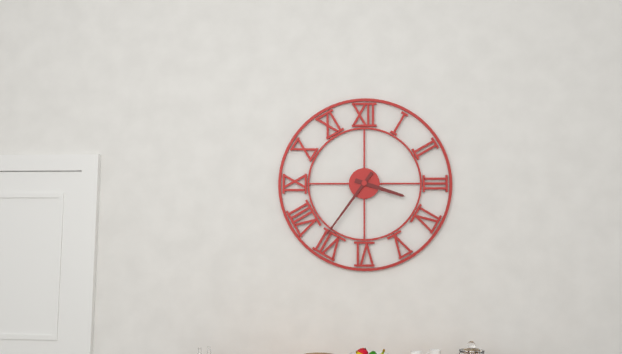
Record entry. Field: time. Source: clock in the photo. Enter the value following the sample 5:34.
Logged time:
3:36
